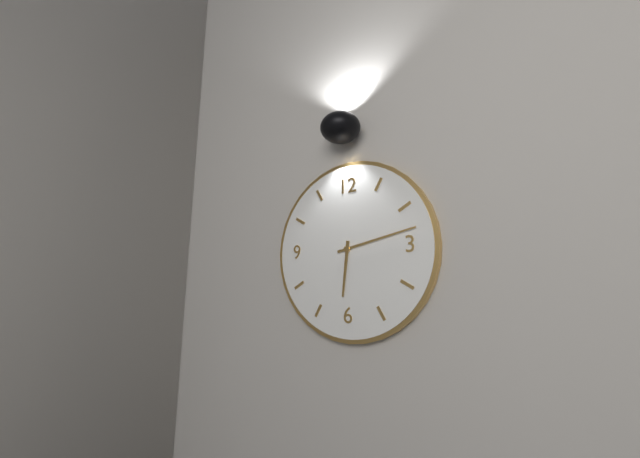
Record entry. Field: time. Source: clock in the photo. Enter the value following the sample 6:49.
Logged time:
6:13
